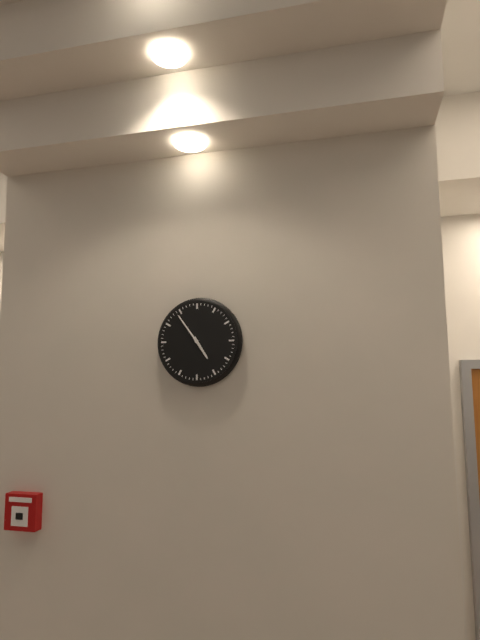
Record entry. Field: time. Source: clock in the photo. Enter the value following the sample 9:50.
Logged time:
4:54
